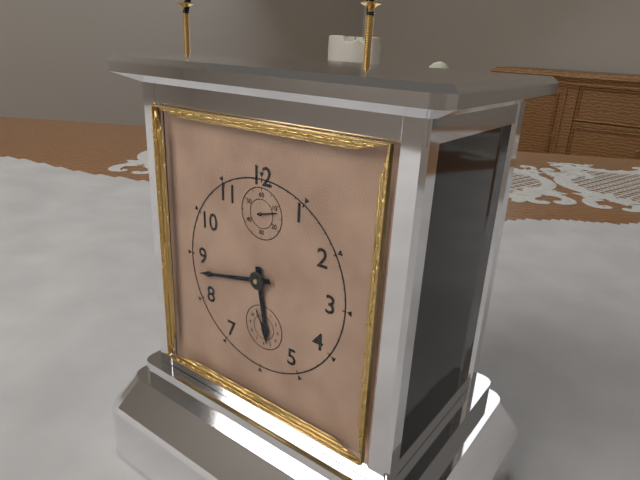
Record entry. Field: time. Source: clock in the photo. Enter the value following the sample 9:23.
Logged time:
5:43
